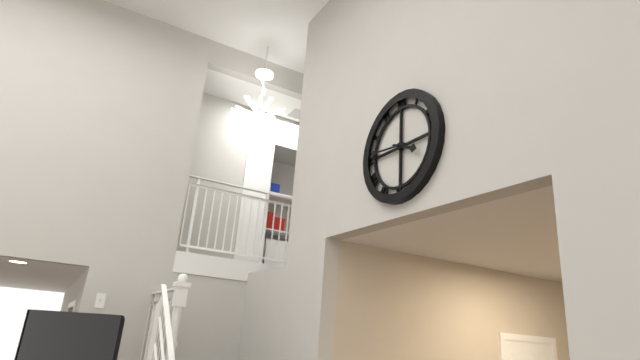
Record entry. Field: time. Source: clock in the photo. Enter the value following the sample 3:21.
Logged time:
3:46
